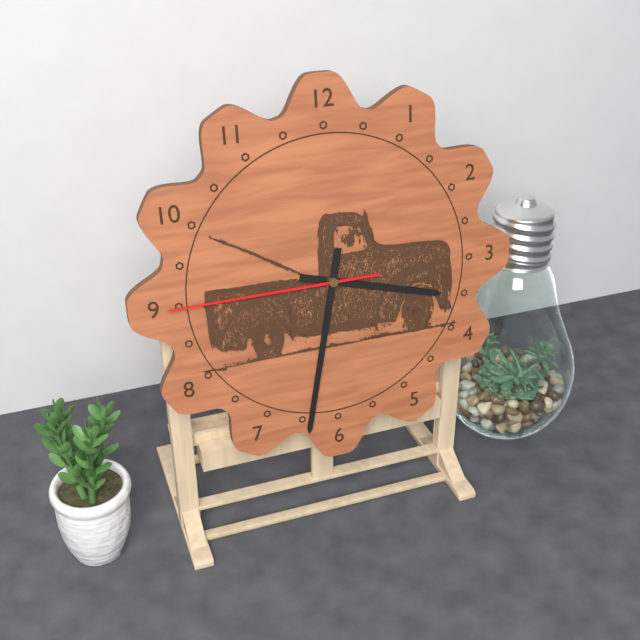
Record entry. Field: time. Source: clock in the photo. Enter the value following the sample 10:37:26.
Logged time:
3:32:45
